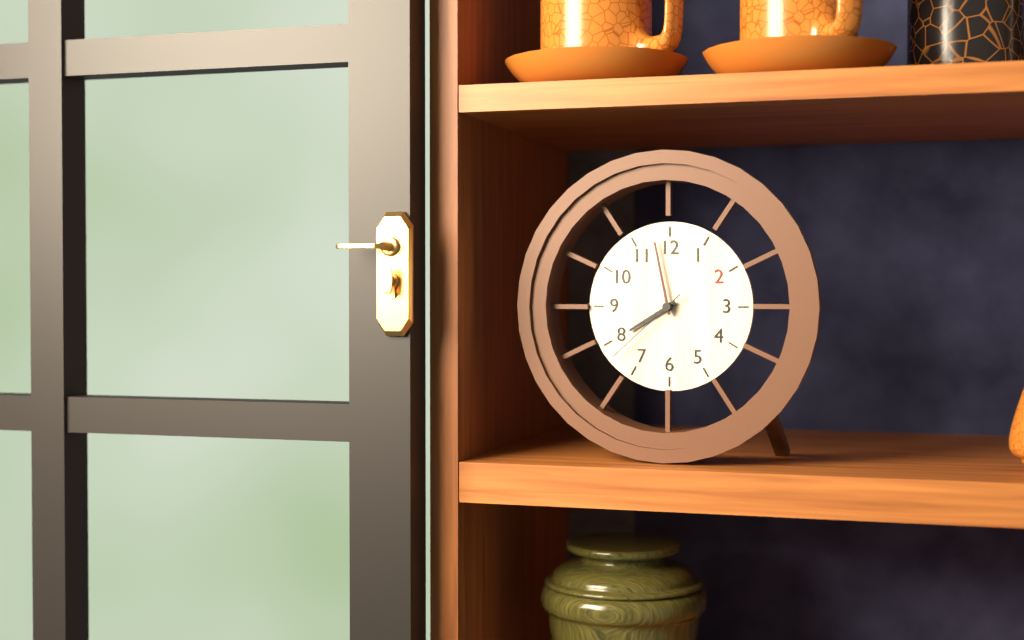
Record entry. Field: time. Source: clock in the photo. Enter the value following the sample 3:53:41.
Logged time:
7:58:38
